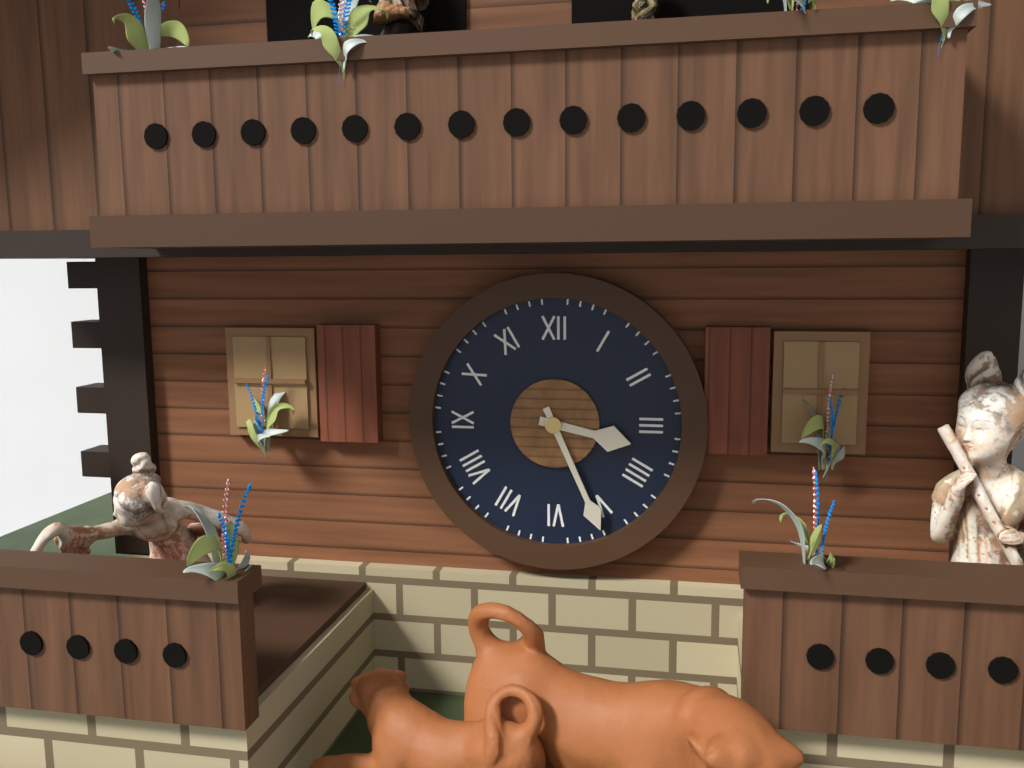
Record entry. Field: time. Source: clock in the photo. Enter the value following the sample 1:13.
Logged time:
3:26
